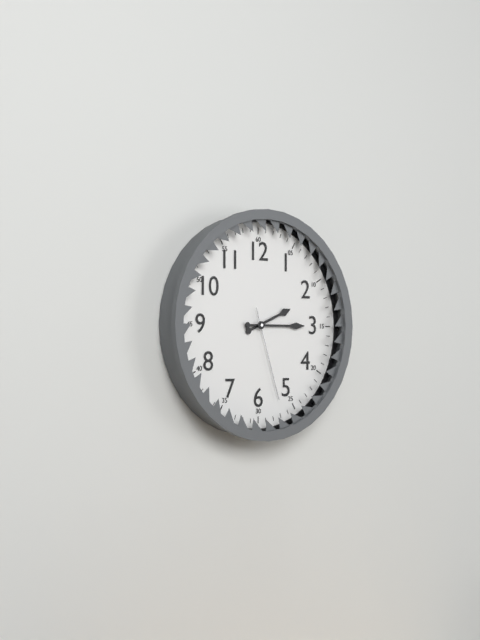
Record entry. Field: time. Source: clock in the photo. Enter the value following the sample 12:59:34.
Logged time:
2:15:27
